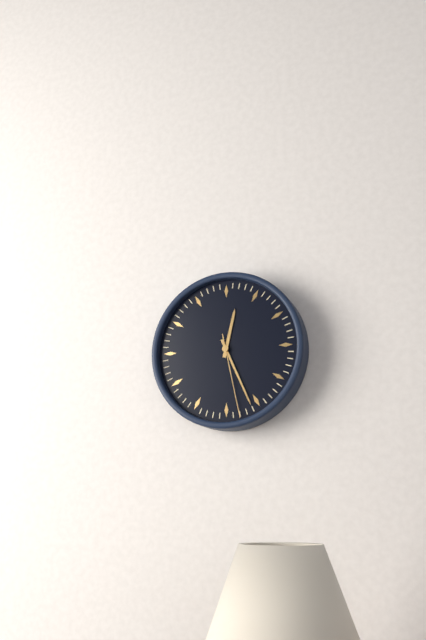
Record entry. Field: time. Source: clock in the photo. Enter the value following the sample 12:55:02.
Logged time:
12:26:28
